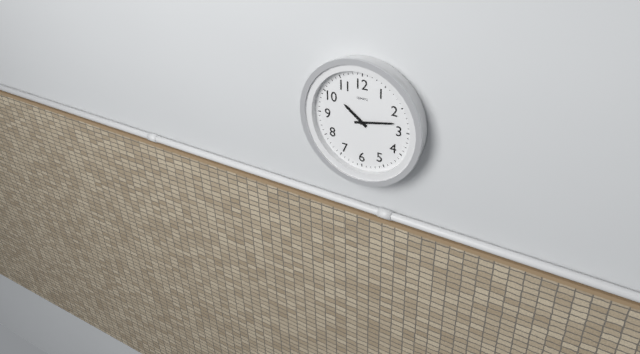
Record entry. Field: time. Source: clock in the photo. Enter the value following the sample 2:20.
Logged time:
10:13
